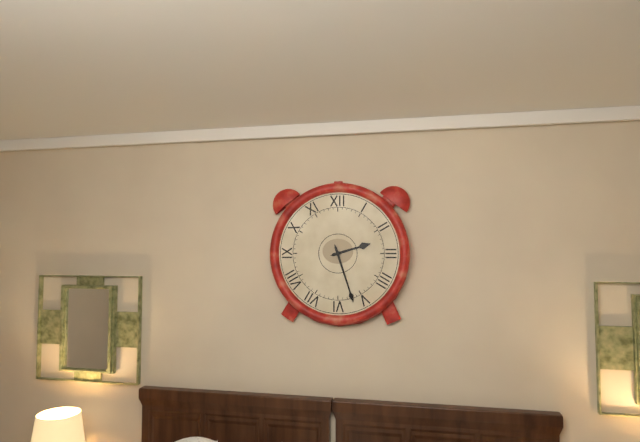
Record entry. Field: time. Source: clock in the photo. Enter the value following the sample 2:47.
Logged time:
2:27
